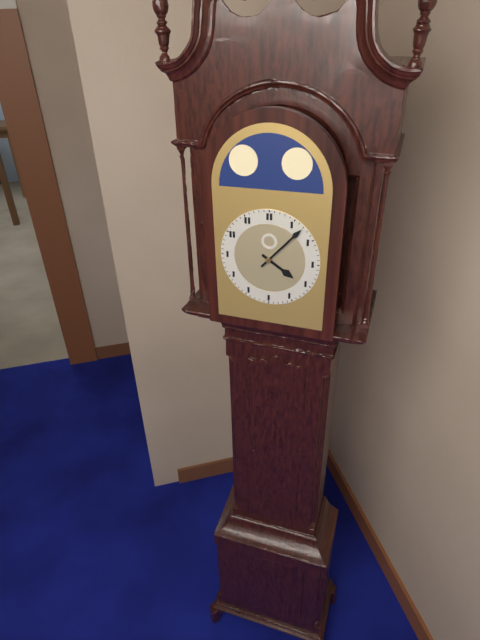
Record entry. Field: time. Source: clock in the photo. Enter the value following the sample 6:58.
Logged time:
4:07
